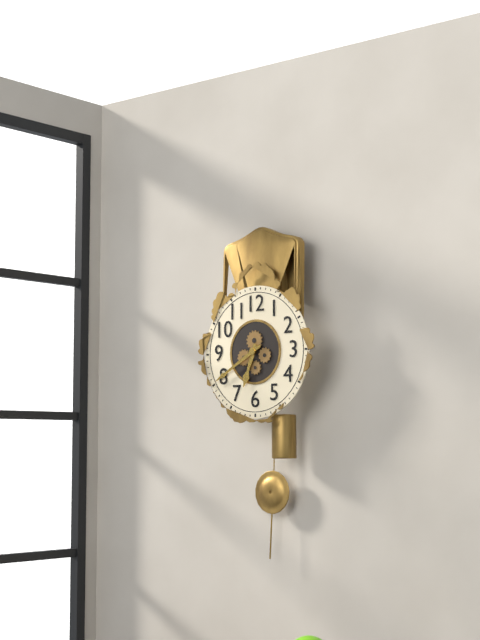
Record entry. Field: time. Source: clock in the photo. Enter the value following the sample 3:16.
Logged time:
6:40
